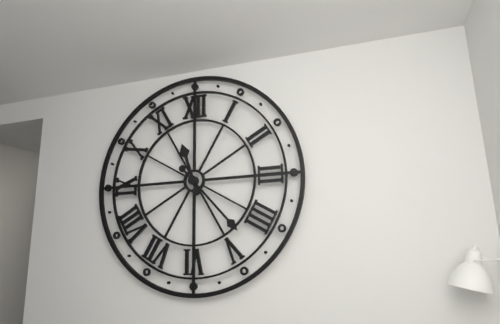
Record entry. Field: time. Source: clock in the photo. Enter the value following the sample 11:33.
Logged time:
11:23
